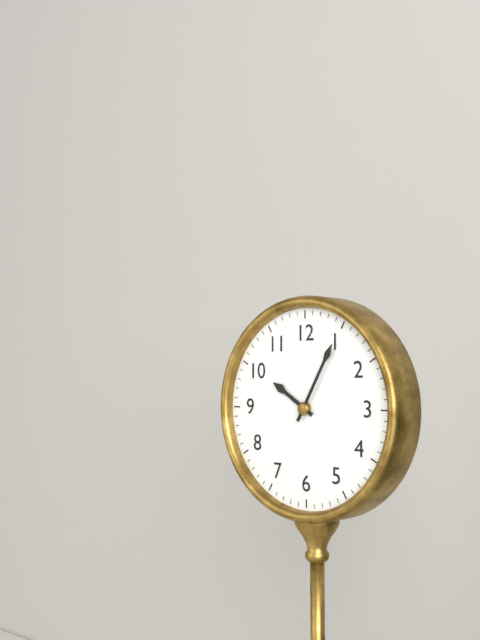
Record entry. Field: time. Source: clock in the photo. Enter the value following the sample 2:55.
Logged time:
10:05
